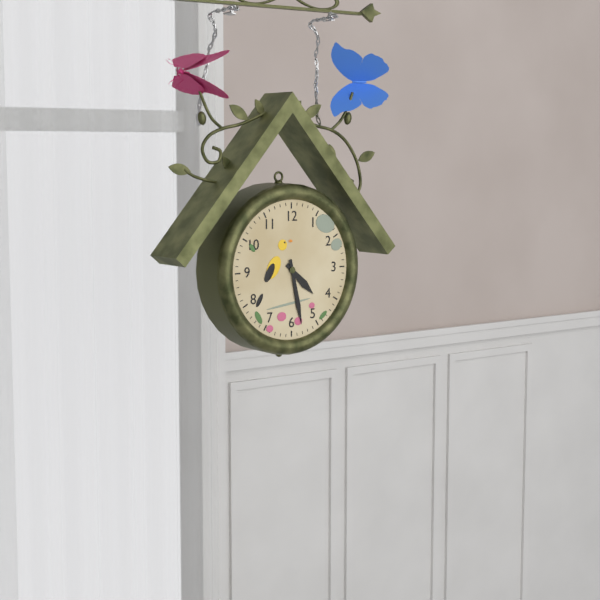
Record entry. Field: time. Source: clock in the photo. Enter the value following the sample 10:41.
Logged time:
4:28
